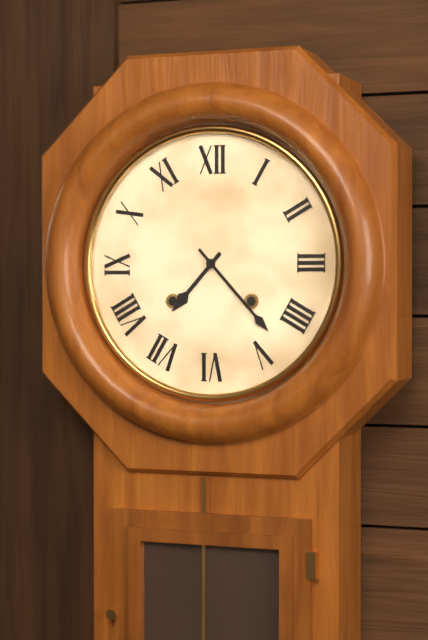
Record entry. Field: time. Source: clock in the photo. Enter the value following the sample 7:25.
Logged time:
7:23
